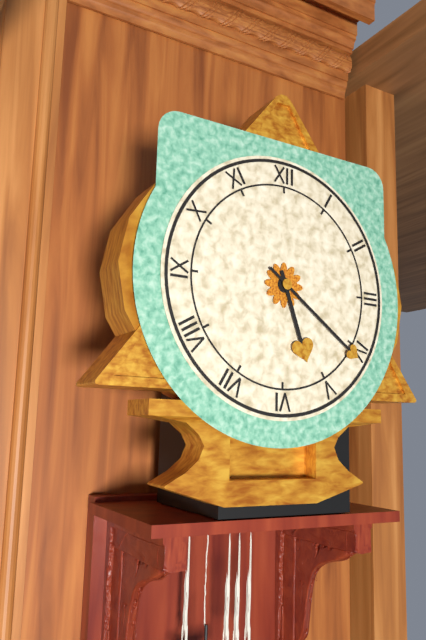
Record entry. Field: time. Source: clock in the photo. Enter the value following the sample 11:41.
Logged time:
5:21
